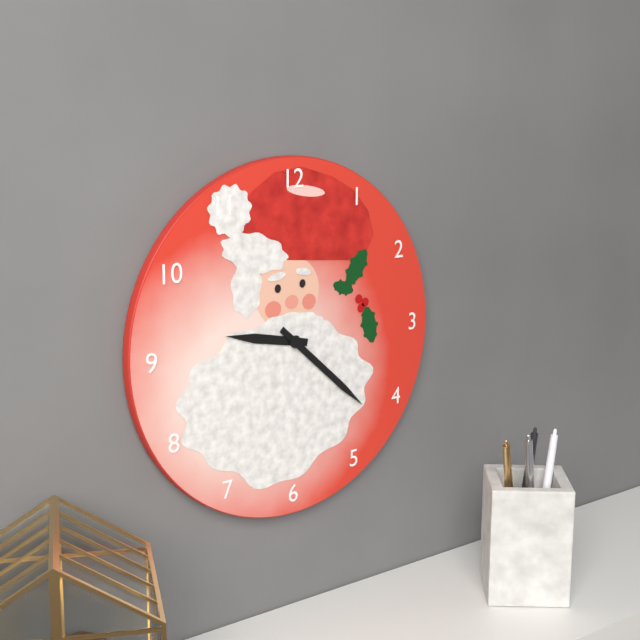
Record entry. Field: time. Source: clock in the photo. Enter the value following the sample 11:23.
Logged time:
9:22
